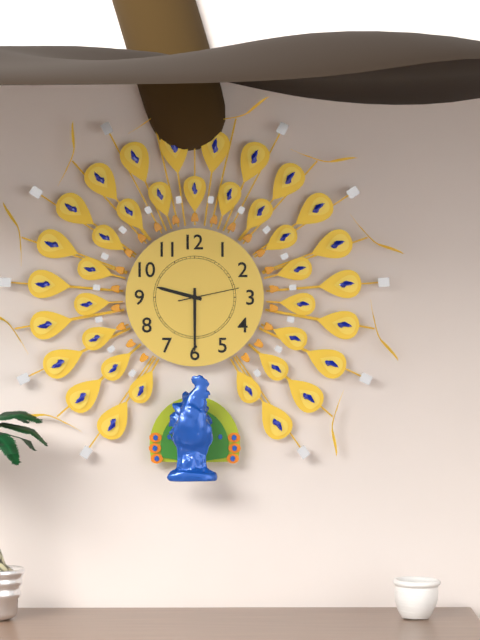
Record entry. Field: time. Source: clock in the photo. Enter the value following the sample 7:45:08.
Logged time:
9:30:13
